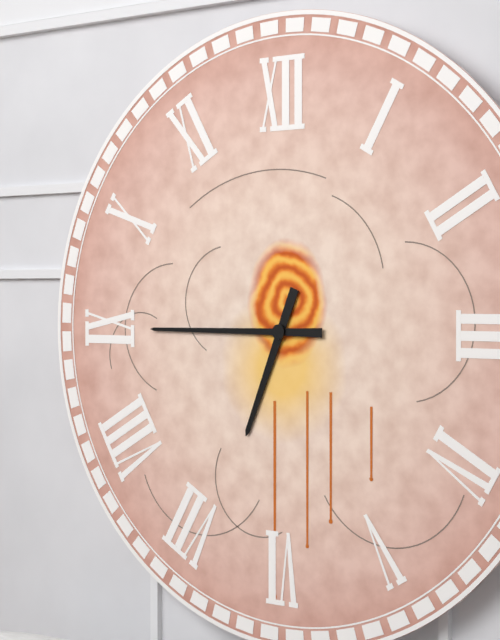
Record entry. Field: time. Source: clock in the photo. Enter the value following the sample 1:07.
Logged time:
6:45
